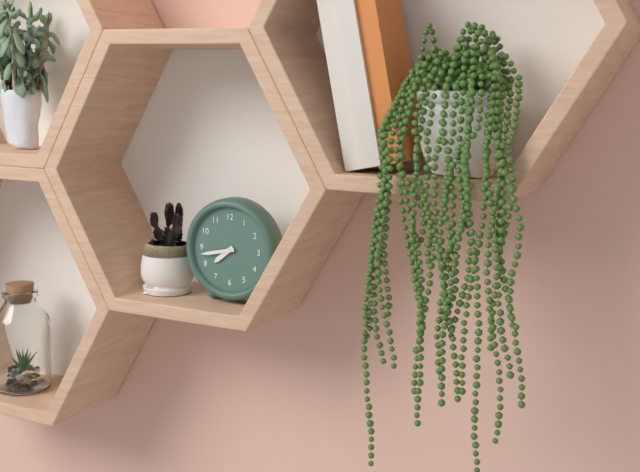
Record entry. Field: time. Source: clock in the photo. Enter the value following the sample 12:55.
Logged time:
7:43
